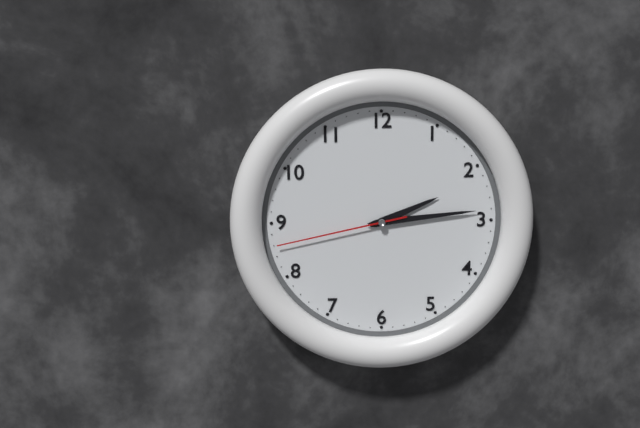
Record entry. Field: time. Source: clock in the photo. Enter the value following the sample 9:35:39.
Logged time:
2:14:43
